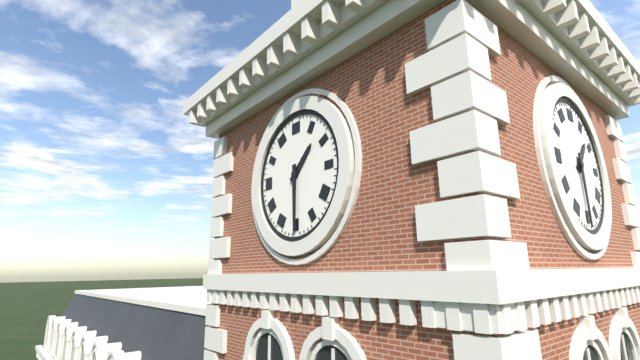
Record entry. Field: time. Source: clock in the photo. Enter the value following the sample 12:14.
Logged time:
1:30
